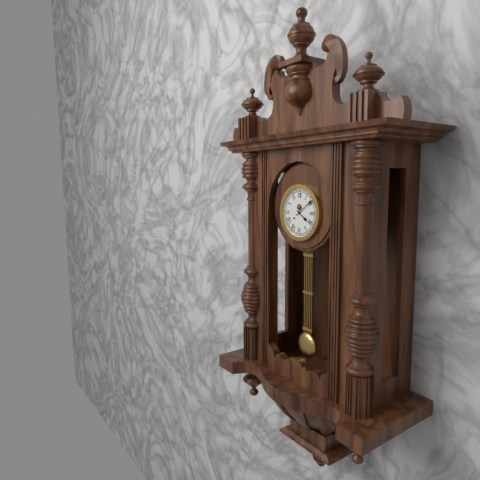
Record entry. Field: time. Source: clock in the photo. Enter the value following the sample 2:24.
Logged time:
4:09
